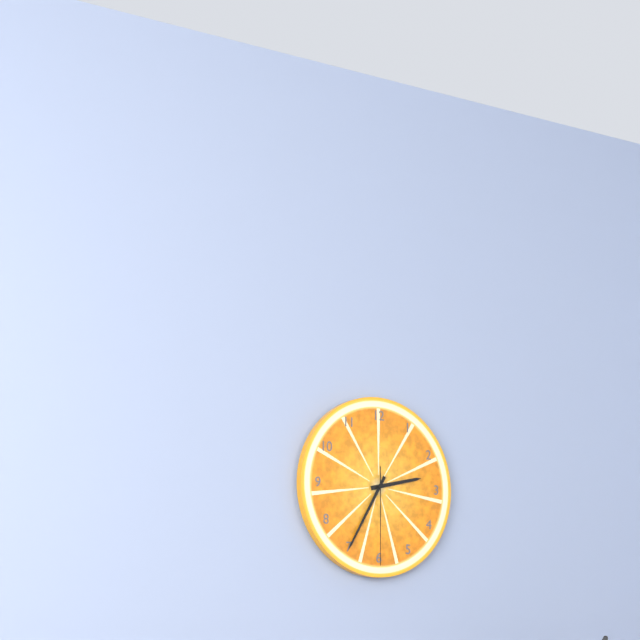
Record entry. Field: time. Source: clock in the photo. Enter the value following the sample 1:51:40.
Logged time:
2:35:30
